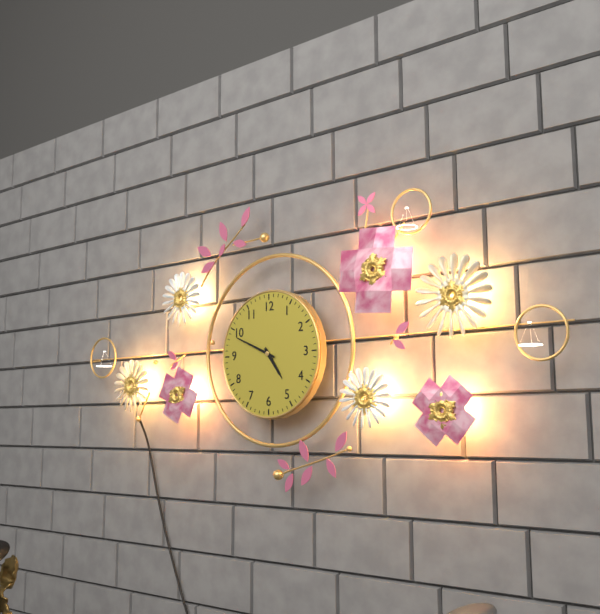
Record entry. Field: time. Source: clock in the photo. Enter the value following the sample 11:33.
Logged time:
4:49
